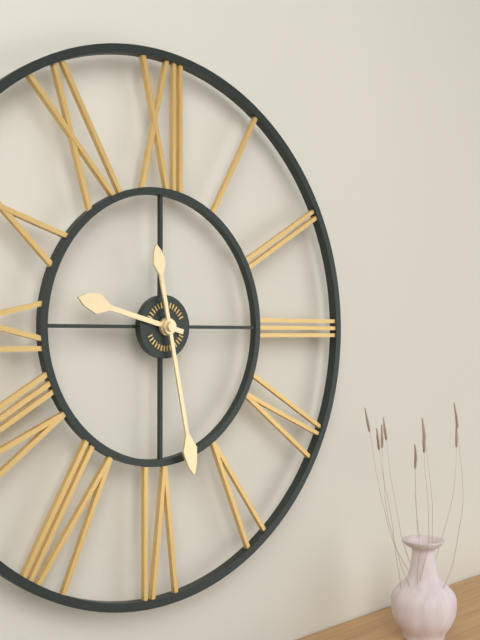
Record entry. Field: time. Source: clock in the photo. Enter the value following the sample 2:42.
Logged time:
9:28
